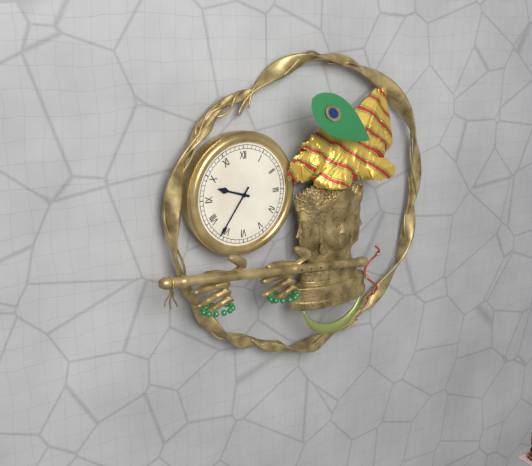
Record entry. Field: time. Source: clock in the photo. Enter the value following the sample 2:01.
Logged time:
9:36
